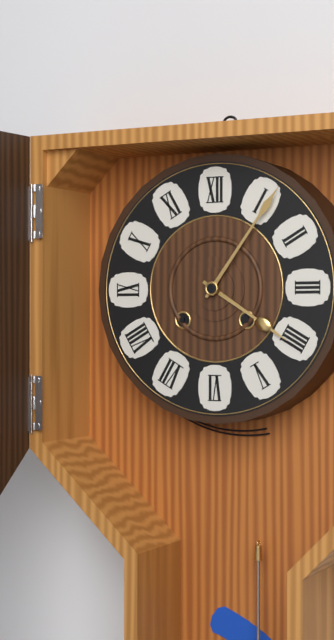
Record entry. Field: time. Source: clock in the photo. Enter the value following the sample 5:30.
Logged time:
4:06
